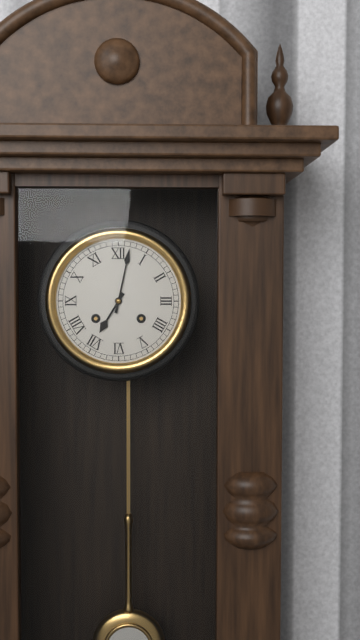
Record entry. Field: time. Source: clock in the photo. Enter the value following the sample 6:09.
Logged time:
7:02
